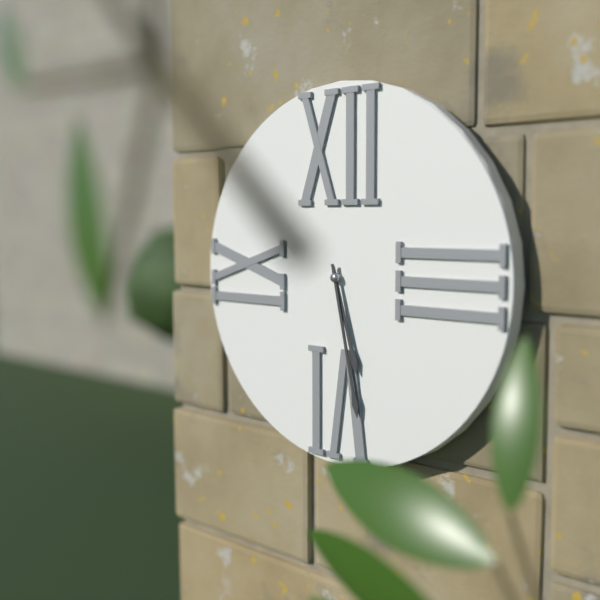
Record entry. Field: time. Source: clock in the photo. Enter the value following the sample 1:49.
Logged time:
5:28
